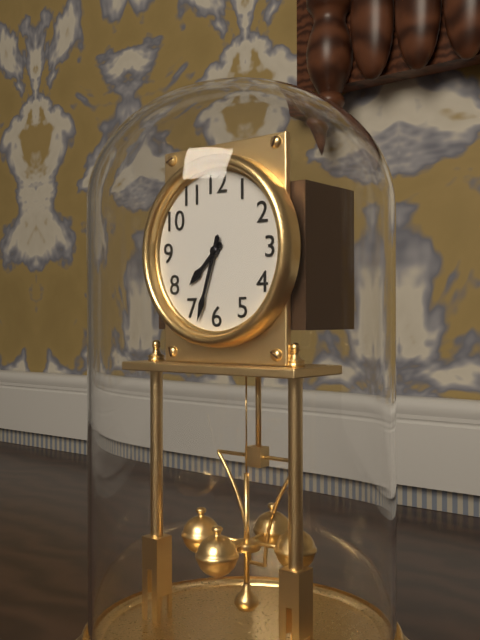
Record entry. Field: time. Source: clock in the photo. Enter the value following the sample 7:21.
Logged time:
7:33
